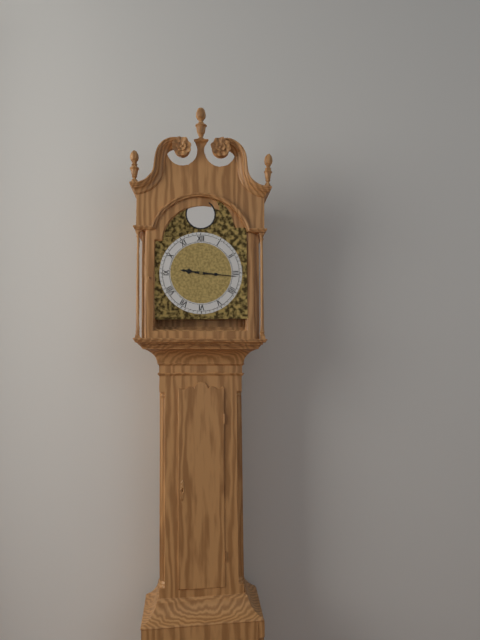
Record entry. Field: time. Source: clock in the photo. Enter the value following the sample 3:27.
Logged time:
9:16
